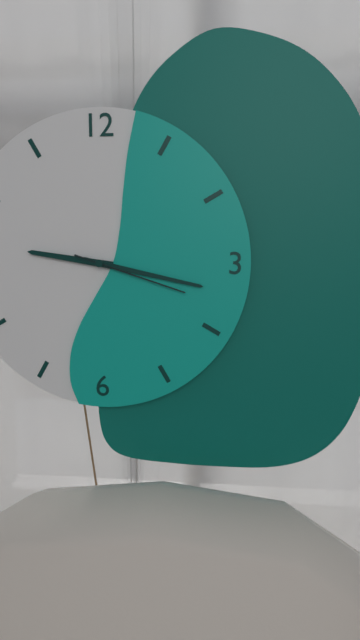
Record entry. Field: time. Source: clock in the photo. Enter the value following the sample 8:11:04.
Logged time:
9:17:18
